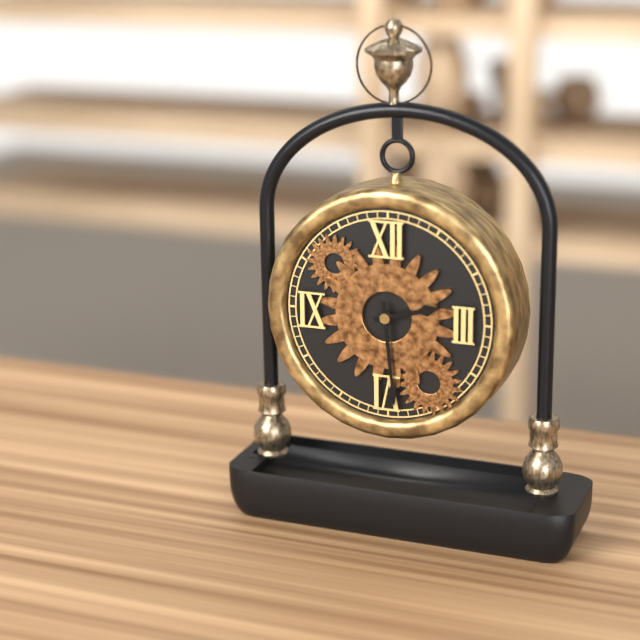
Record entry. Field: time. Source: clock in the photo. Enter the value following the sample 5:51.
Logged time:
2:29
